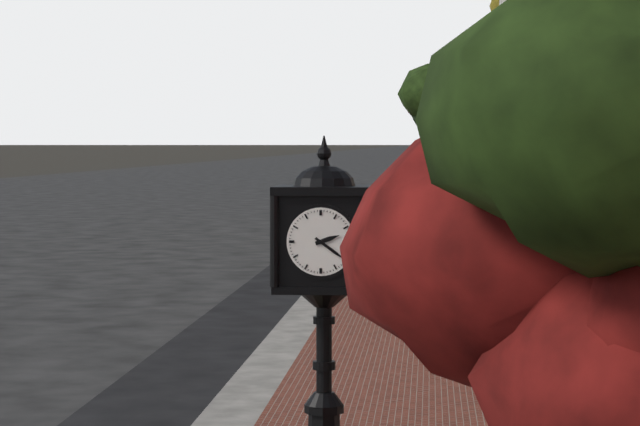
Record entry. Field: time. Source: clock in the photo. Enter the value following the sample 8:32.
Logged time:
2:21
